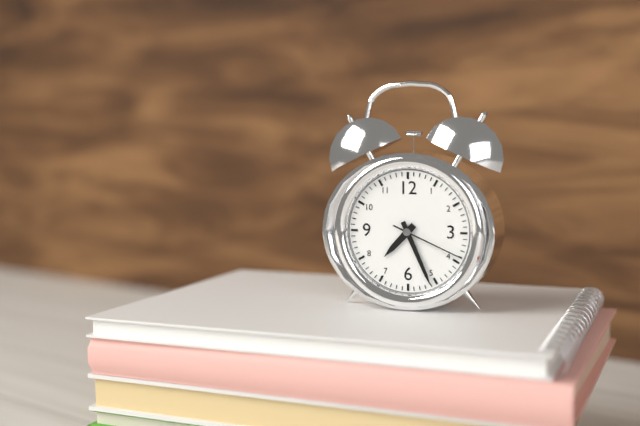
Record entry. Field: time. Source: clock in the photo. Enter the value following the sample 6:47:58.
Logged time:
7:26:19
